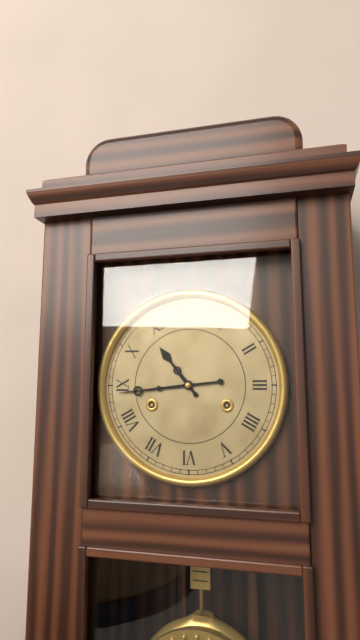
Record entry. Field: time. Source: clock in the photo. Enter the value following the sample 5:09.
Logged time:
10:44
